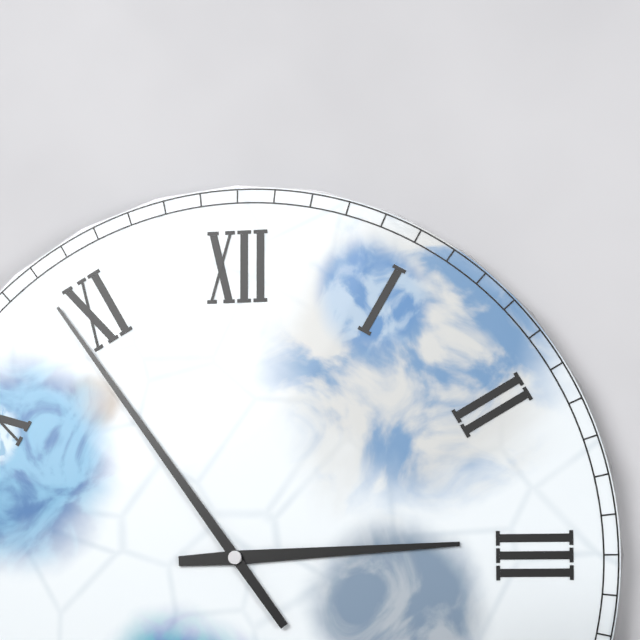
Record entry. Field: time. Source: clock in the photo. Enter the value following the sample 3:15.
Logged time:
2:54
